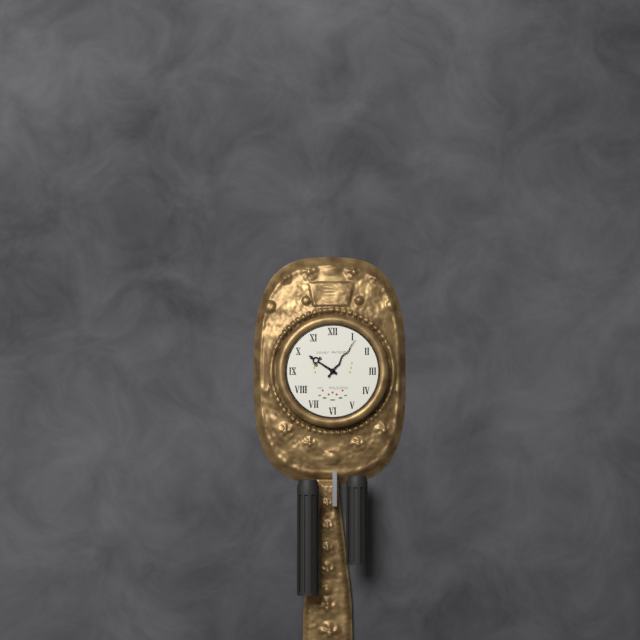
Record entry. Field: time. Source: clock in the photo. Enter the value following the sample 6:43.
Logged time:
10:06
